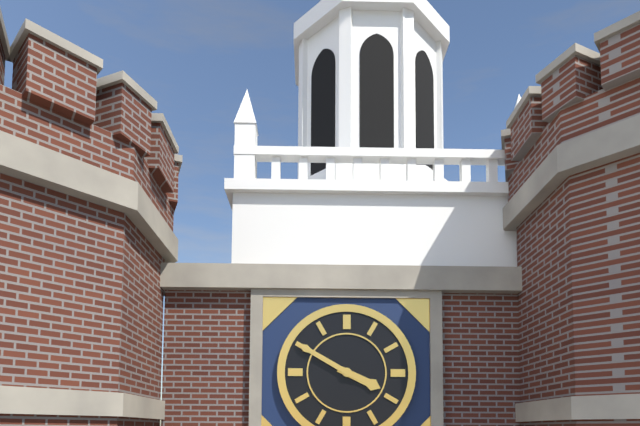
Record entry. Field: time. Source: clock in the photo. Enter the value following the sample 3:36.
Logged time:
3:50
